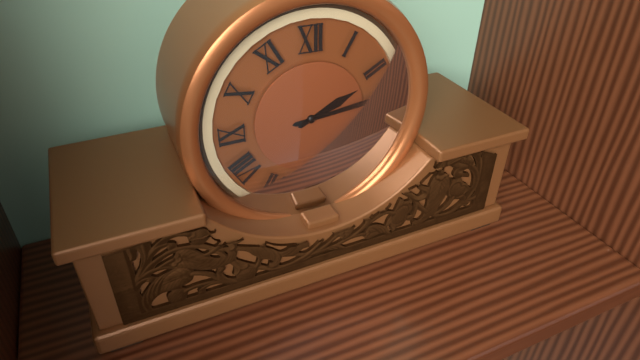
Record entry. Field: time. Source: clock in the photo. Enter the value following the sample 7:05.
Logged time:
2:14
